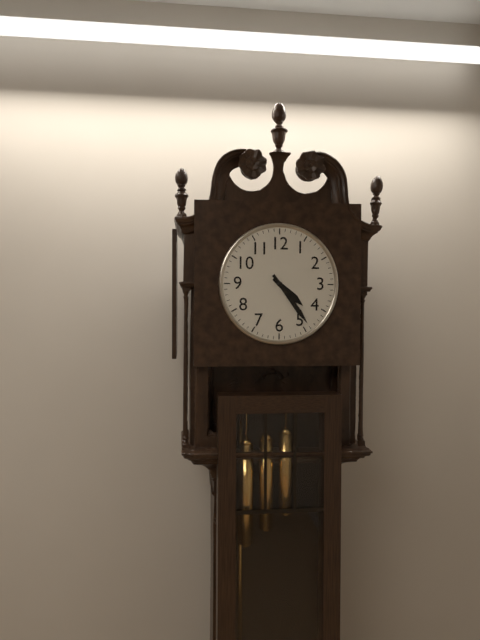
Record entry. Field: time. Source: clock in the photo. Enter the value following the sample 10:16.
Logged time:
4:24
